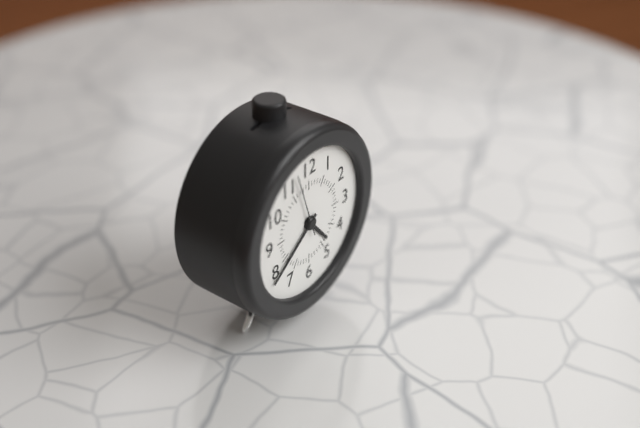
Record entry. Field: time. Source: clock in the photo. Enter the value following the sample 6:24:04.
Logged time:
4:39:57
